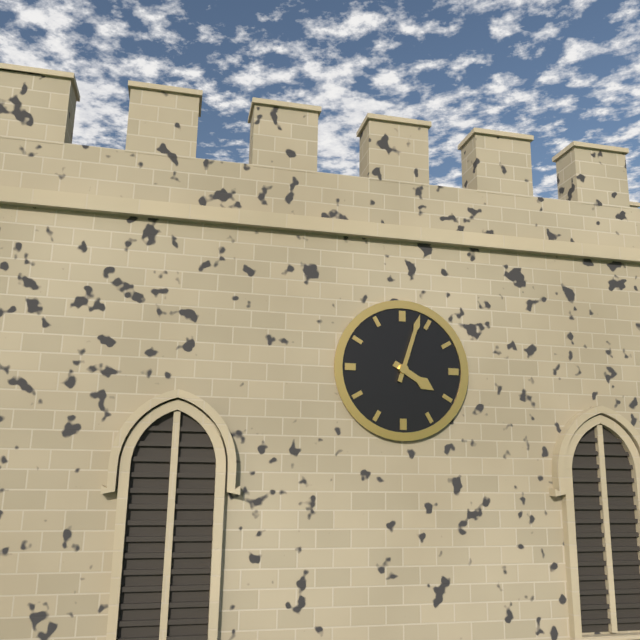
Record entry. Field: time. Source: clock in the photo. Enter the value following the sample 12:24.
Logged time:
4:03
